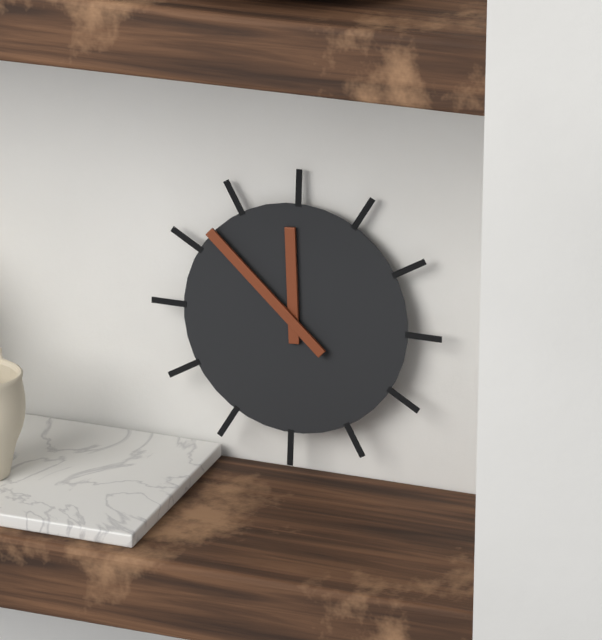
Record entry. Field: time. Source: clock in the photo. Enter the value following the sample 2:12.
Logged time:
11:52
